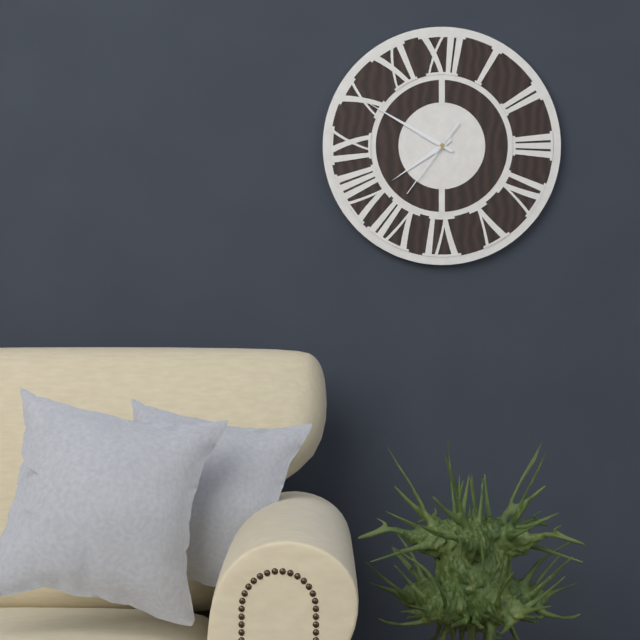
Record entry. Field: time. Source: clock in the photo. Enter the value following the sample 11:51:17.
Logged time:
7:50:36
